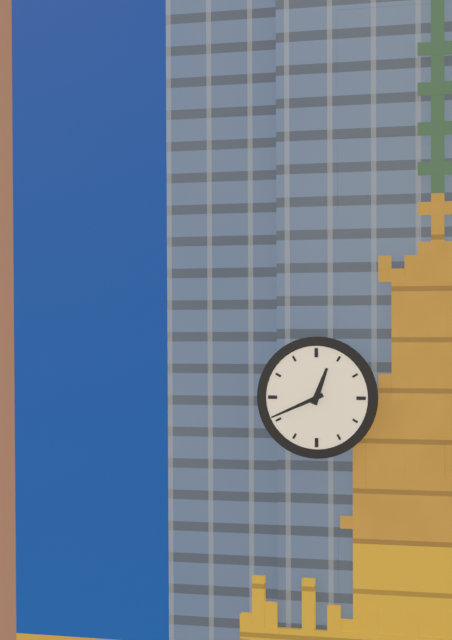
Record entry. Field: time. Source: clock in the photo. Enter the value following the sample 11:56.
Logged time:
12:41
